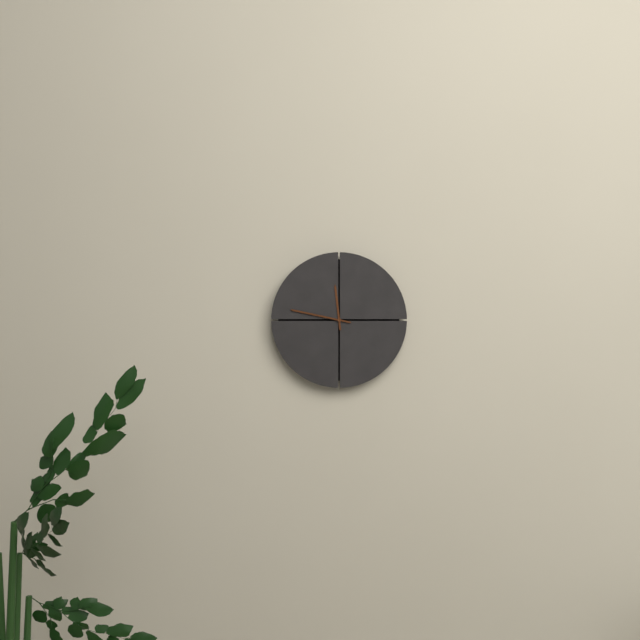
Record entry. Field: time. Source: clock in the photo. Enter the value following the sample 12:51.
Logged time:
11:47
